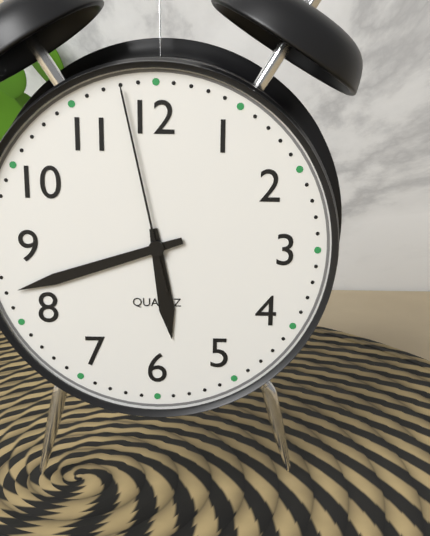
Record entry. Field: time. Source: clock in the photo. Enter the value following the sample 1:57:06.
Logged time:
5:42:58
